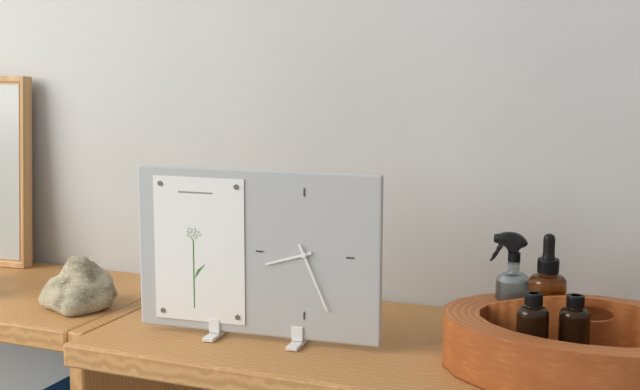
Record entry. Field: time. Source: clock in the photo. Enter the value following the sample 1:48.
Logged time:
8:26
